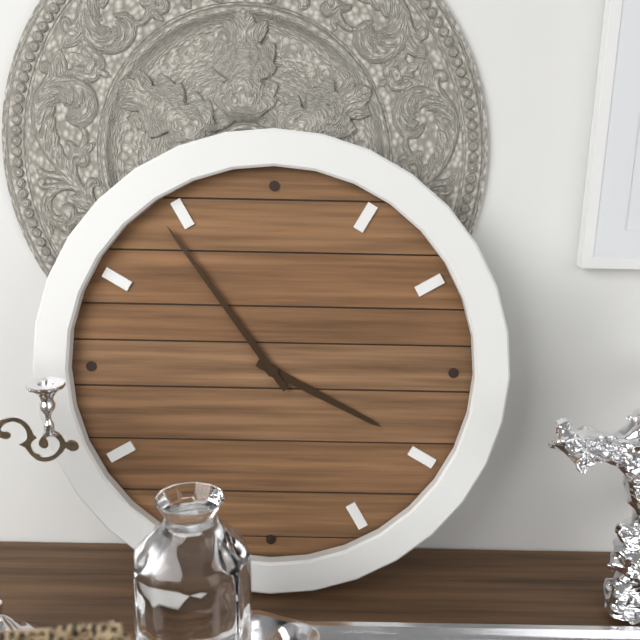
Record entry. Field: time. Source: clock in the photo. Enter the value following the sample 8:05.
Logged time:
3:54
